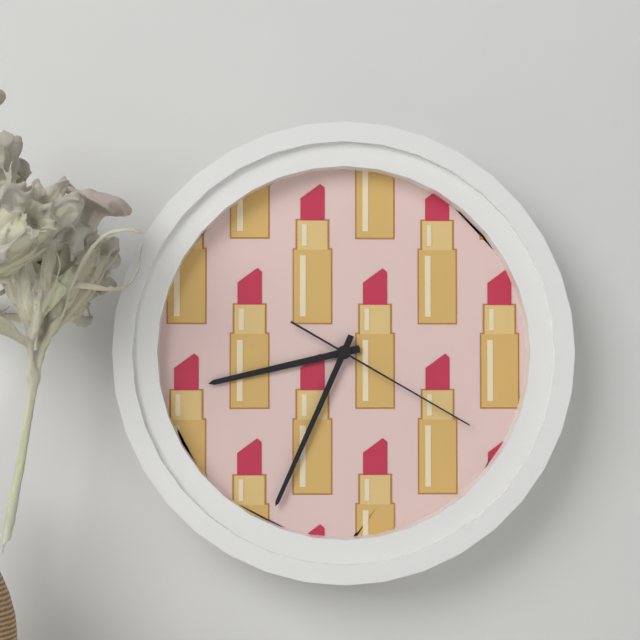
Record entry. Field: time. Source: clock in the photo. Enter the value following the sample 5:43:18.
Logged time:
8:34:20
